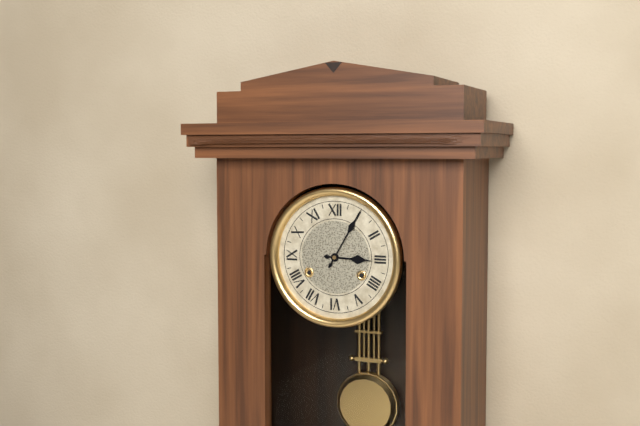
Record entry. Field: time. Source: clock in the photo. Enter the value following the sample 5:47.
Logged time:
3:05
